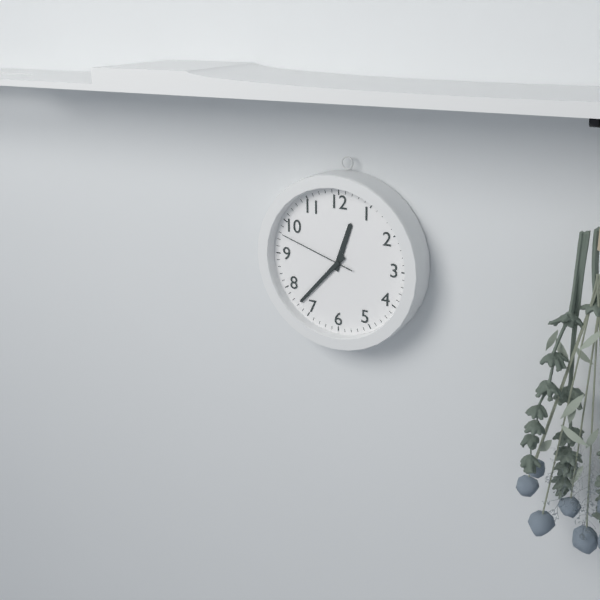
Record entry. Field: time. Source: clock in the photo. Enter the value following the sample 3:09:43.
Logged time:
12:37:48
